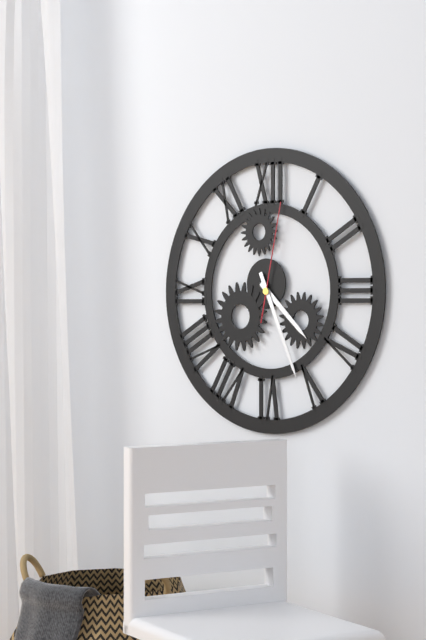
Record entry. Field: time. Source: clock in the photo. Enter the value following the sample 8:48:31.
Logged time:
4:26:02
